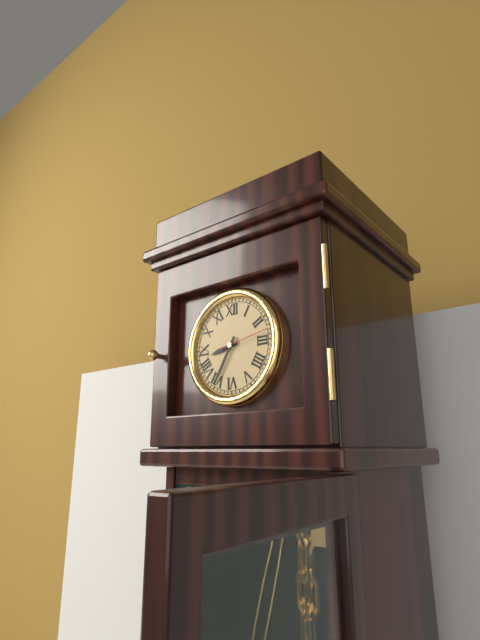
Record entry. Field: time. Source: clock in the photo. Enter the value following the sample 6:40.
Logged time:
8:35
